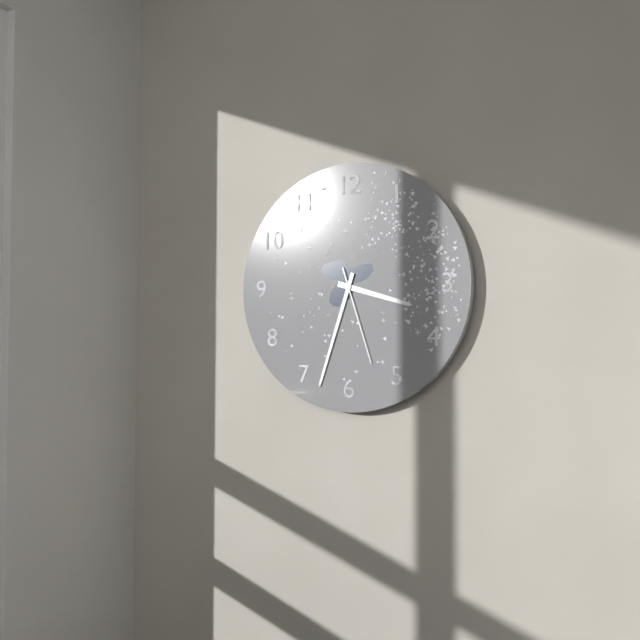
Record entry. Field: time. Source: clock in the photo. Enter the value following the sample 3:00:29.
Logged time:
3:33:27
